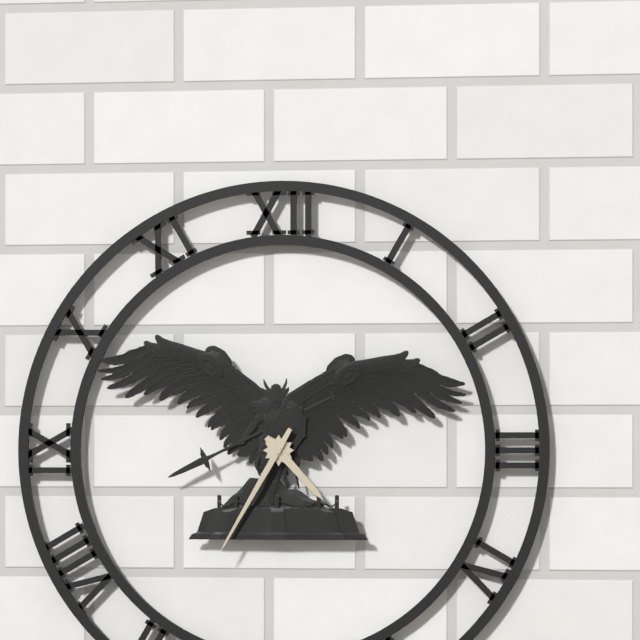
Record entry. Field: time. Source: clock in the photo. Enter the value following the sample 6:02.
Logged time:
4:35
